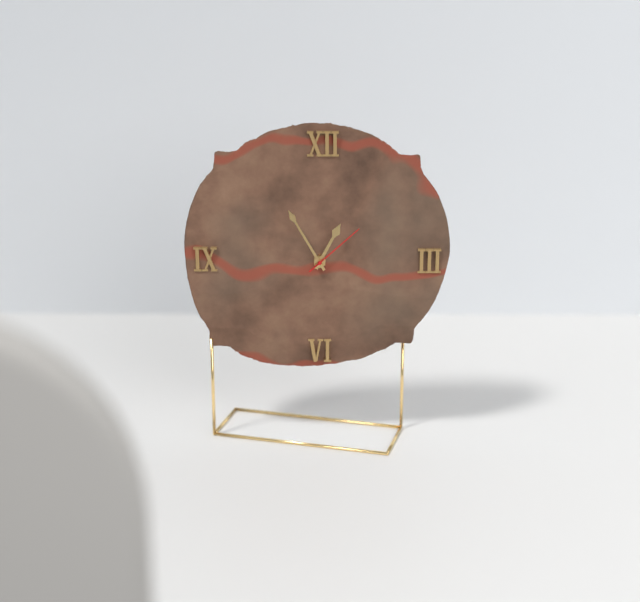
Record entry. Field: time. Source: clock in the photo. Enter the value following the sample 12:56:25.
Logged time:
12:55:08
